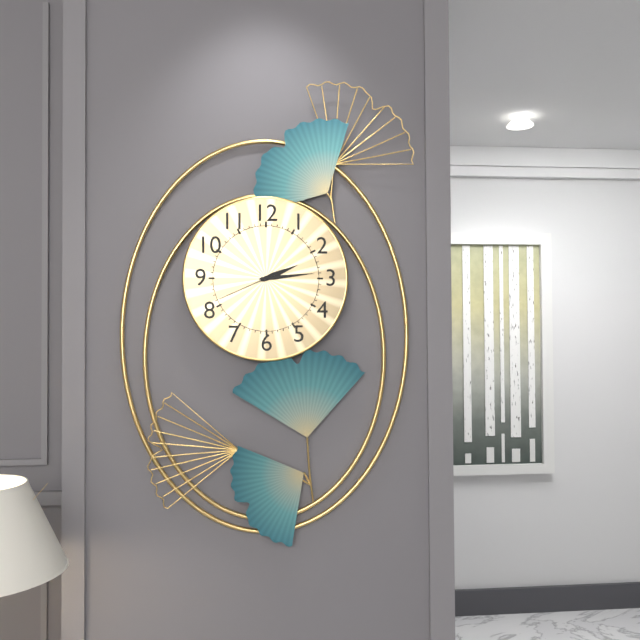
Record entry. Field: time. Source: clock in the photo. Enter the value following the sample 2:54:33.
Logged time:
2:14:41
